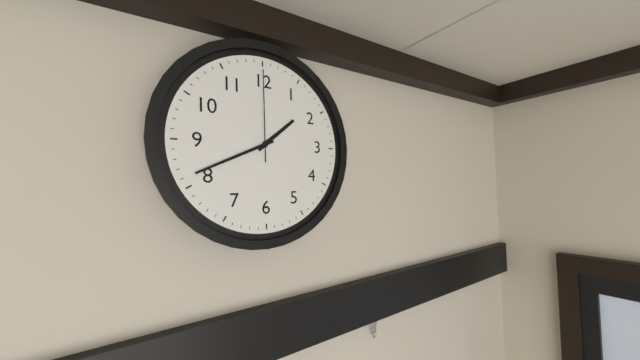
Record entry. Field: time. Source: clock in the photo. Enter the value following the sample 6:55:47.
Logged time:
1:41:00
